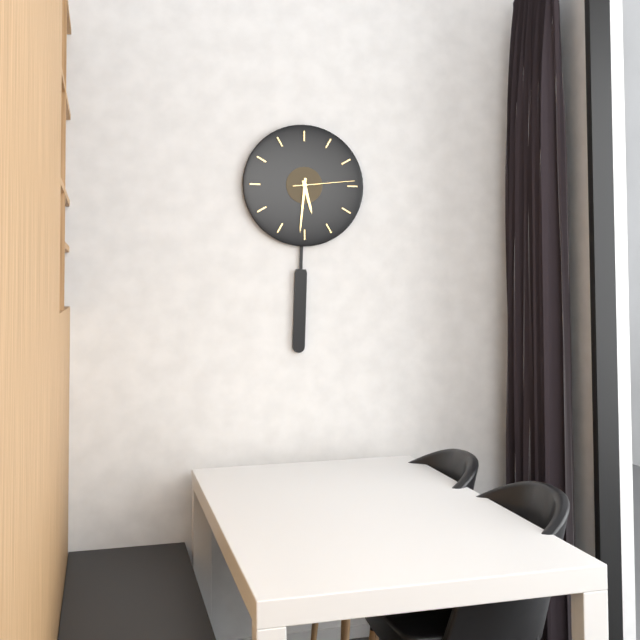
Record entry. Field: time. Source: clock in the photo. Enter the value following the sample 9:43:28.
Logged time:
5:31:14
